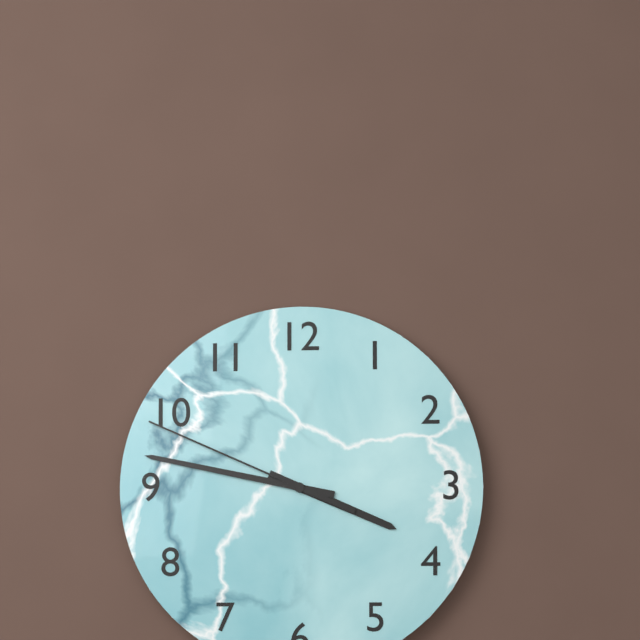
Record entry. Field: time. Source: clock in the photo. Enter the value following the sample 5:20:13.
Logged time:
3:47:49
